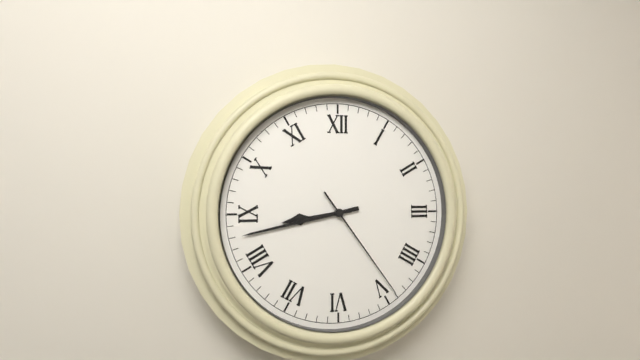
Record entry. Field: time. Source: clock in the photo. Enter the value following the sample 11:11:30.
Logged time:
8:43:24
